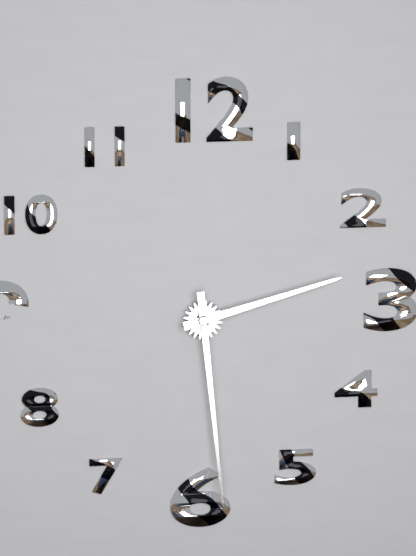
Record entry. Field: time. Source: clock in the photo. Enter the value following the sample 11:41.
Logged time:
2:29
